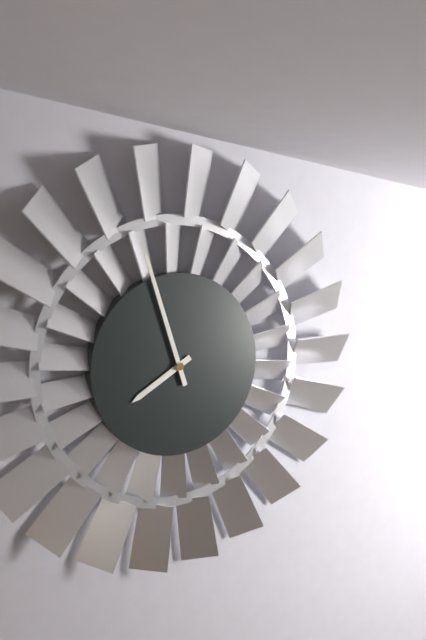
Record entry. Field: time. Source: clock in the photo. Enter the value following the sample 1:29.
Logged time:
7:57
